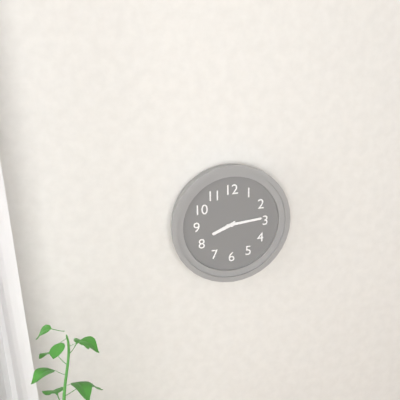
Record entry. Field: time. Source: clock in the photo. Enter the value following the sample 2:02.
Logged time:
8:14
